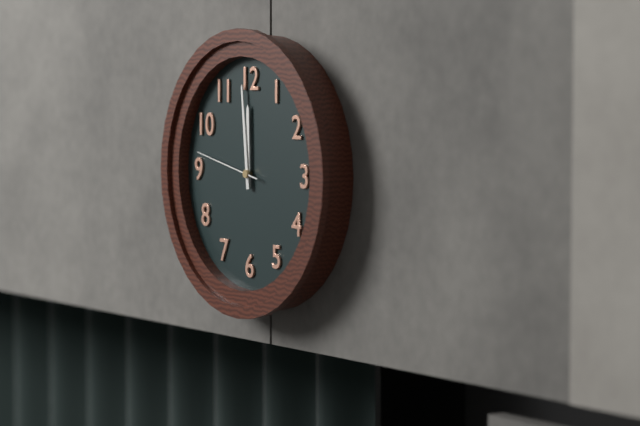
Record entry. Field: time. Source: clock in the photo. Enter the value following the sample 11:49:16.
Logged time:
11:59:47
